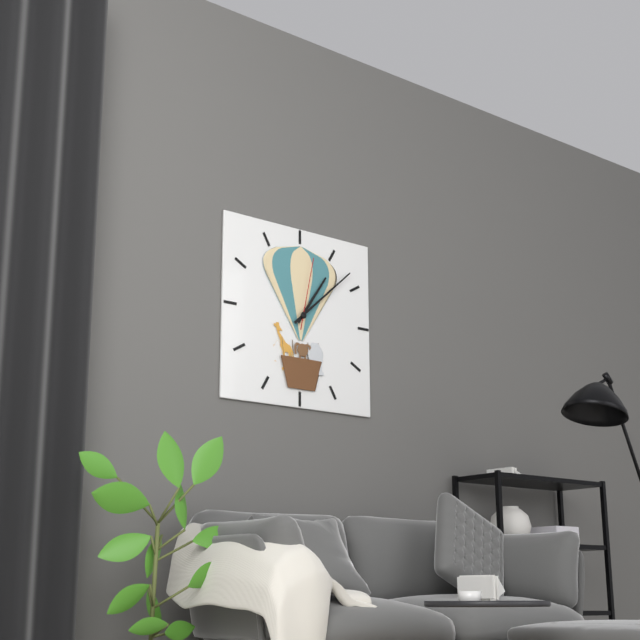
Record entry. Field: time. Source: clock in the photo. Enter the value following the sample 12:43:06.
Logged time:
1:08:02
